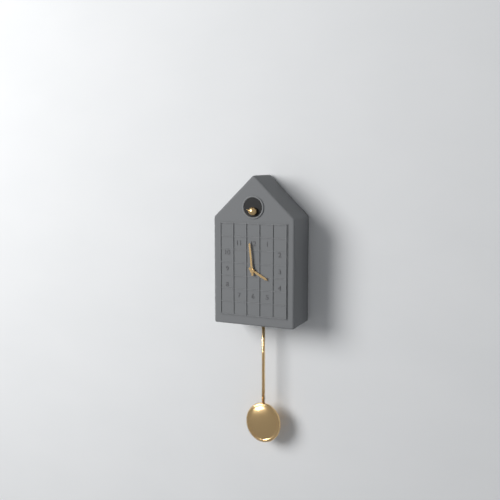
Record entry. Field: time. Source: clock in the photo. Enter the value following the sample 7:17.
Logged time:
3:59
